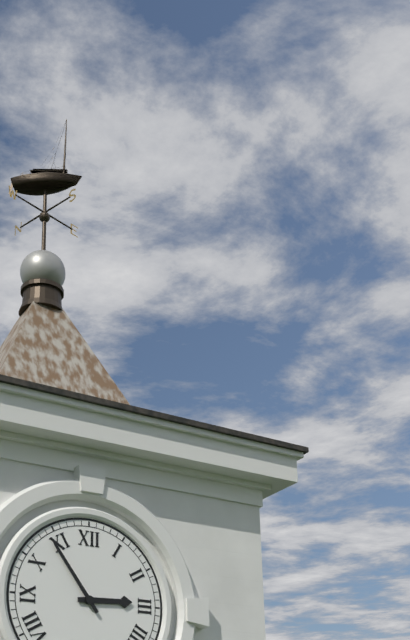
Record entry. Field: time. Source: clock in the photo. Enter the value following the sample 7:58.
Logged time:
2:54
